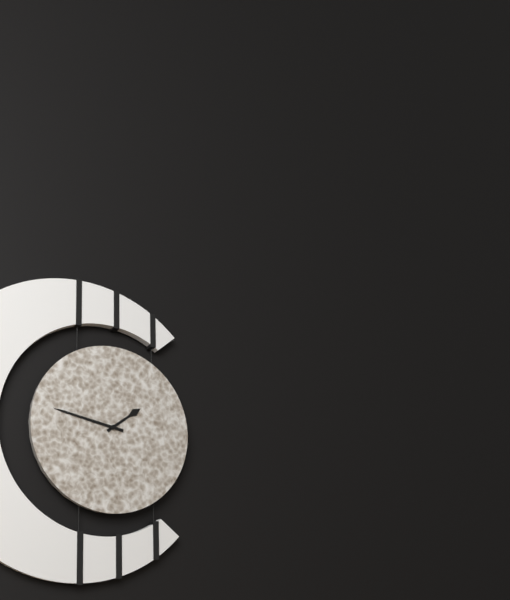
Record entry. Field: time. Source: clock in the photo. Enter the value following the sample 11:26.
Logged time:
1:47
